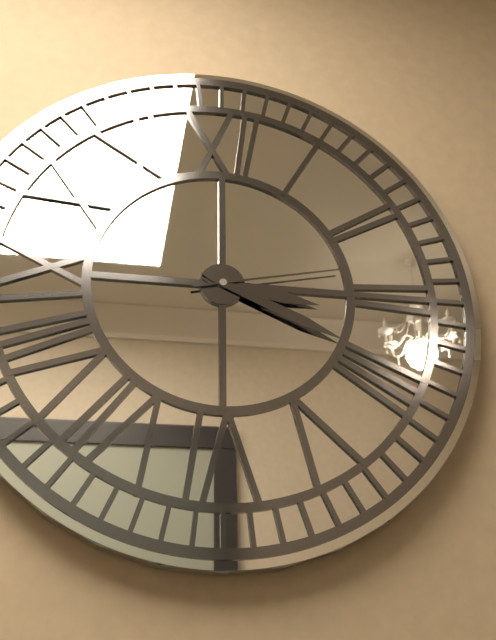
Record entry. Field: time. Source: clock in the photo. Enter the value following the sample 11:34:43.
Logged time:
3:19:13
